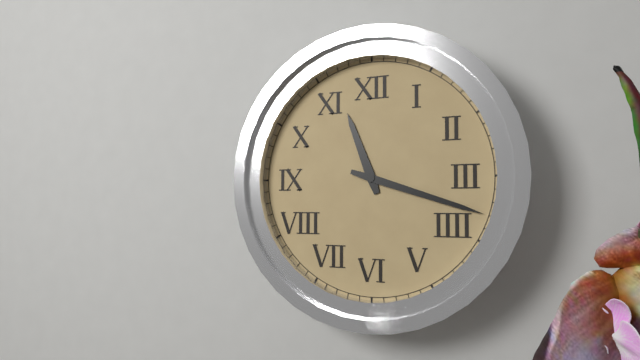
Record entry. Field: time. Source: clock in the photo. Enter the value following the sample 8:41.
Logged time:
11:18
